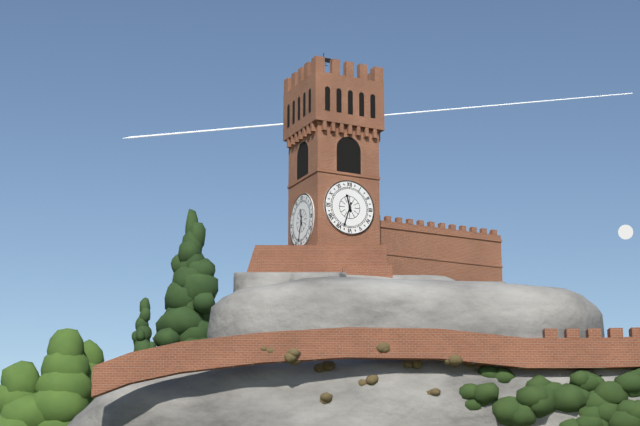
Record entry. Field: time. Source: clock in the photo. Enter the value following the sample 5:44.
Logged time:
11:33
